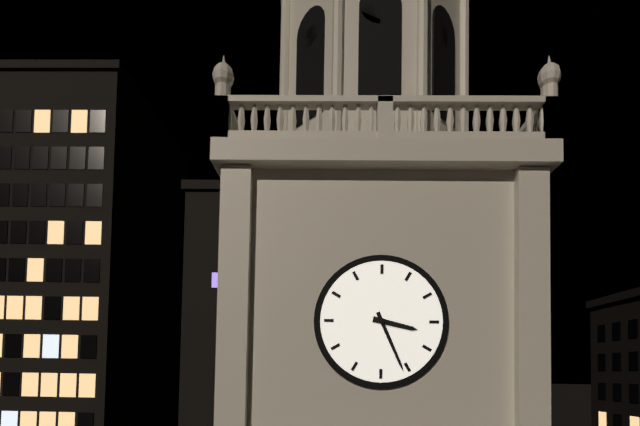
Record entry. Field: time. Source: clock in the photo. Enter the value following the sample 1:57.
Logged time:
3:26
